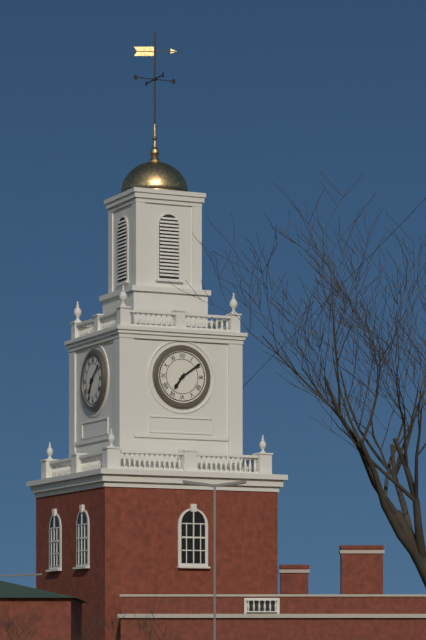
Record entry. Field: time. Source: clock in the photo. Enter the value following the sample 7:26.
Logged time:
7:09
